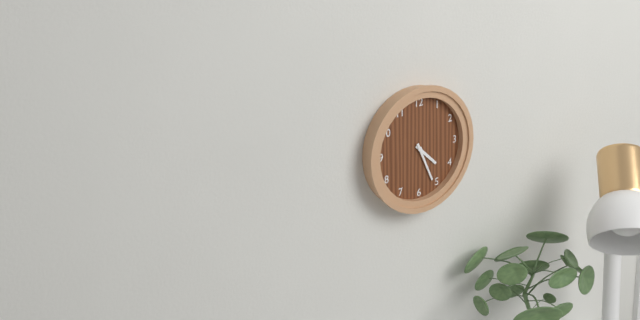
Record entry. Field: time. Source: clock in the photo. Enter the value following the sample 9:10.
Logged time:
4:26
